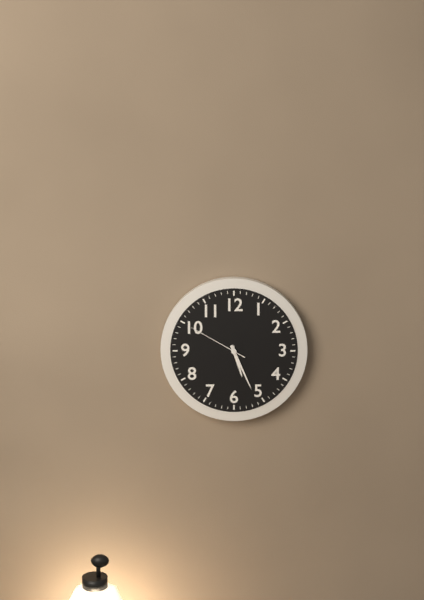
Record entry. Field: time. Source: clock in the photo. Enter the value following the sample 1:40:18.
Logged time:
5:26:50
